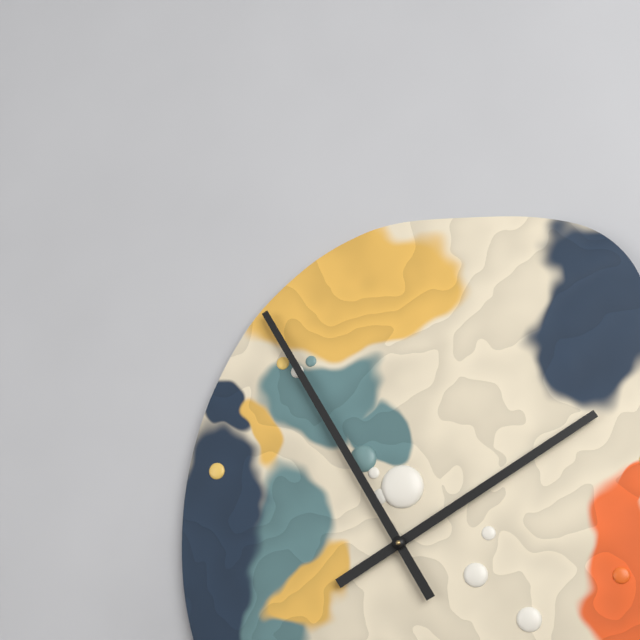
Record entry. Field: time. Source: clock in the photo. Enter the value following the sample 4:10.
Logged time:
1:55
